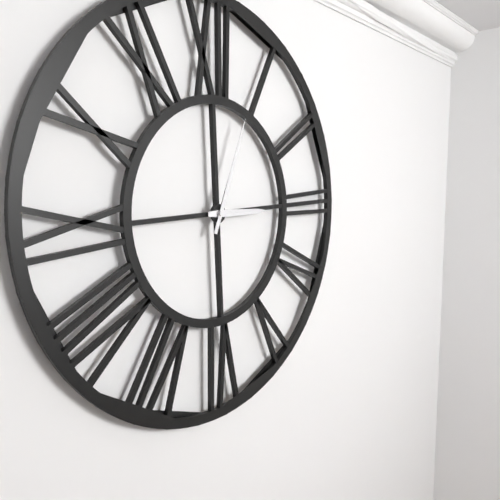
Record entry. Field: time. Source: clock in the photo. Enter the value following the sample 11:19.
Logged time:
3:04
